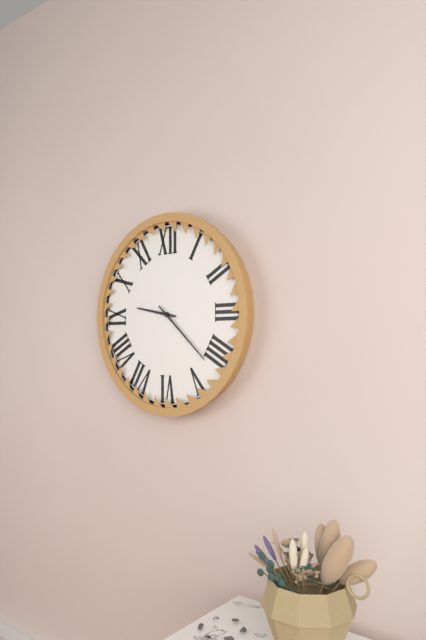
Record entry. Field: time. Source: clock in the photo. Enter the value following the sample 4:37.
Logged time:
9:22
